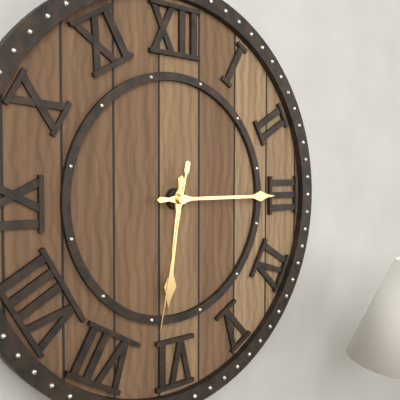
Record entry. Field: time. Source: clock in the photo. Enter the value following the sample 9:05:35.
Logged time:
6:15:32
